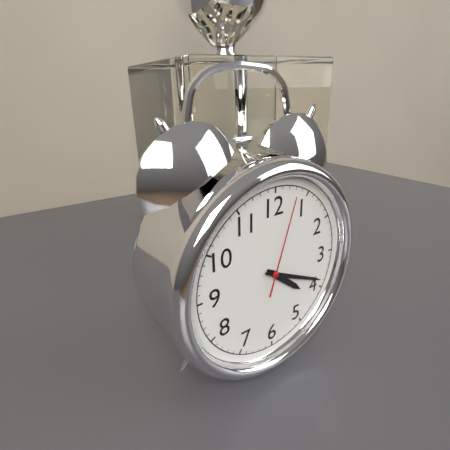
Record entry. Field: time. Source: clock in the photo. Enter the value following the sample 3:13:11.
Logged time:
4:19:03
